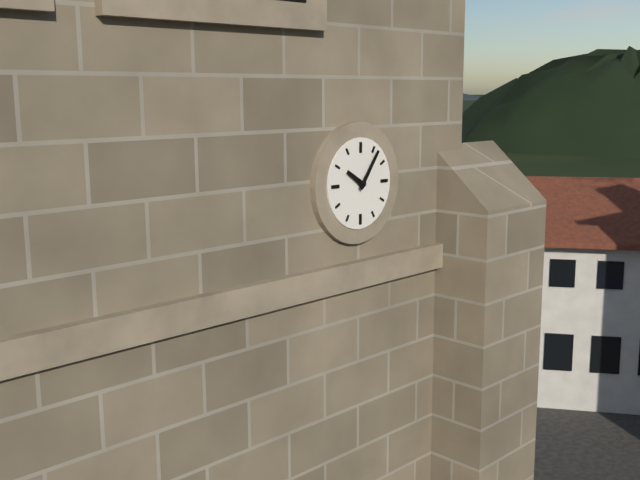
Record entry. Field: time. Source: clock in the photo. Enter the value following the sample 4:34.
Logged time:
10:06
